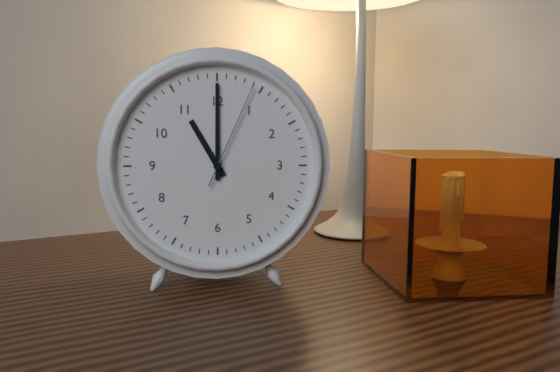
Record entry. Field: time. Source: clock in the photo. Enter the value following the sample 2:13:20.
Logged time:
11:00:04
